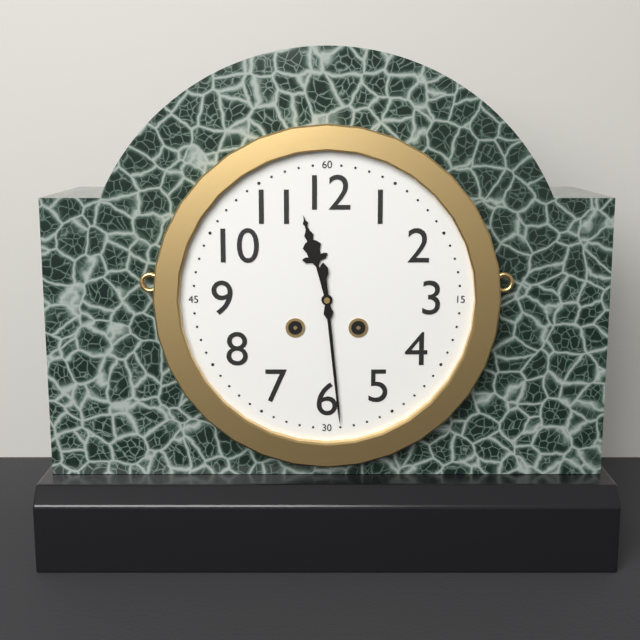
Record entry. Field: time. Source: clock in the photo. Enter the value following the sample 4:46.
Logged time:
11:29
